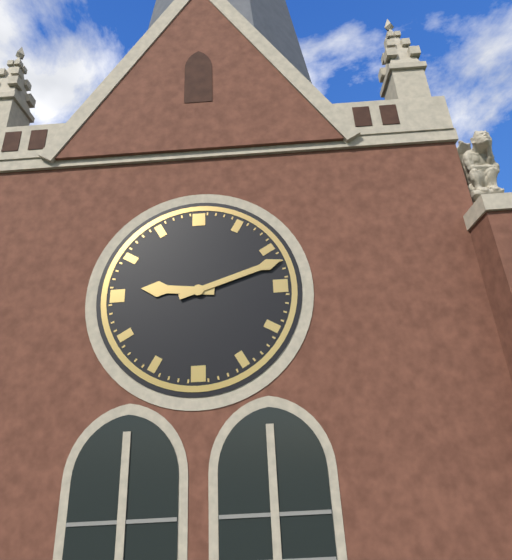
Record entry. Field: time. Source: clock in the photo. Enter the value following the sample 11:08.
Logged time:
9:12
